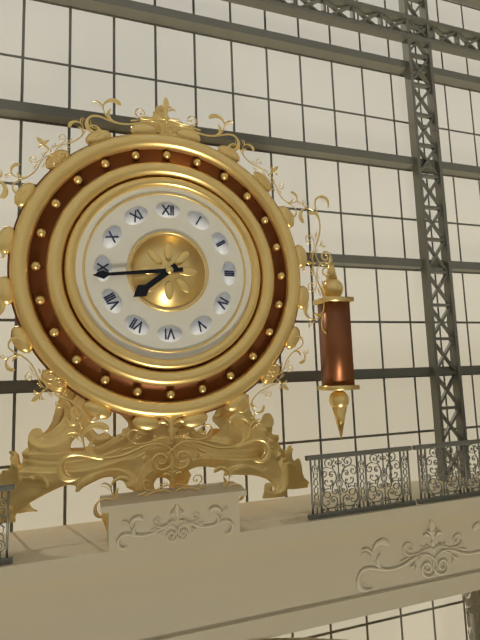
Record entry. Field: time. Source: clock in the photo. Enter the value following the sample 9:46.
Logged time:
7:44
